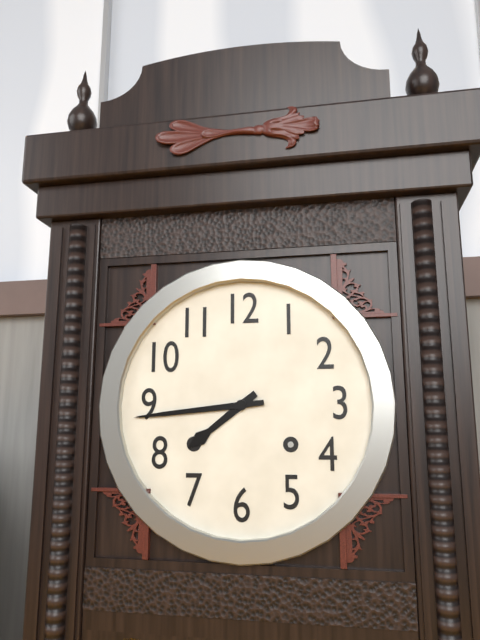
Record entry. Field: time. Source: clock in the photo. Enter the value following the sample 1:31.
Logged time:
7:44
